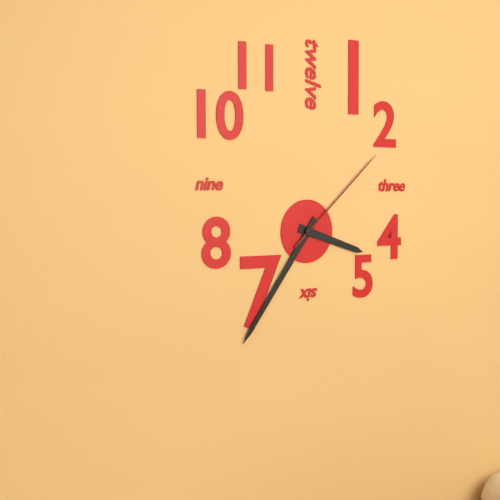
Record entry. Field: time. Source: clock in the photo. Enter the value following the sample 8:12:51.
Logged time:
3:36:08
